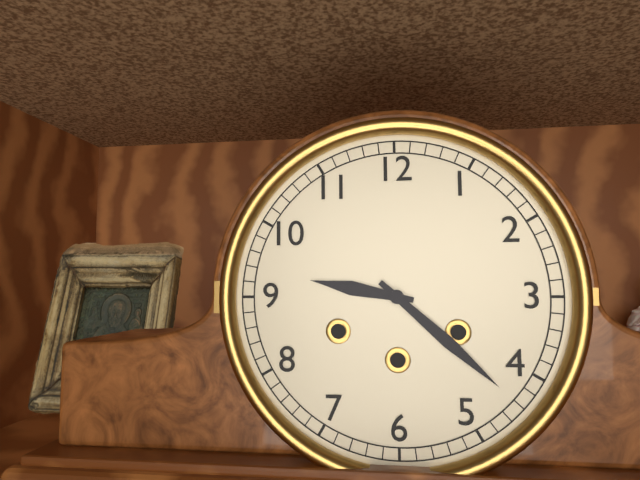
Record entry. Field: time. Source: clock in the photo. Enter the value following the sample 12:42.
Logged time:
9:22
